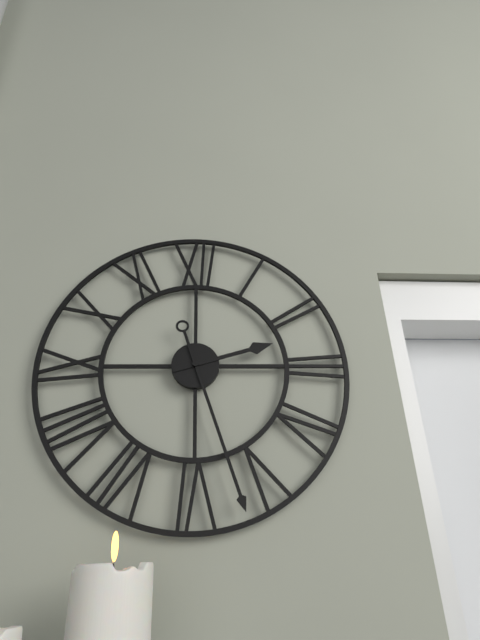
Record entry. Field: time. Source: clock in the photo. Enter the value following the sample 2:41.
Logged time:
2:27
